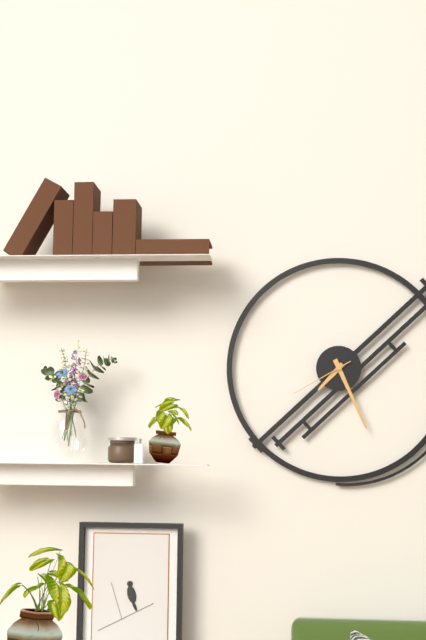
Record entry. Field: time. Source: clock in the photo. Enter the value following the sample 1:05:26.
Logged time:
7:26:40
